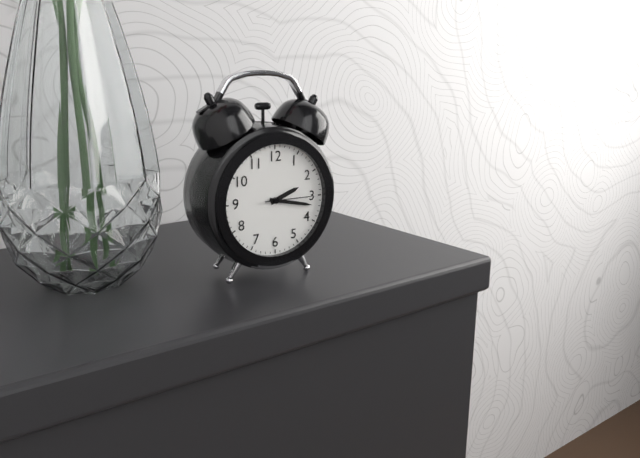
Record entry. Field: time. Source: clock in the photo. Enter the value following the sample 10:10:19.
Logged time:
2:17:15
